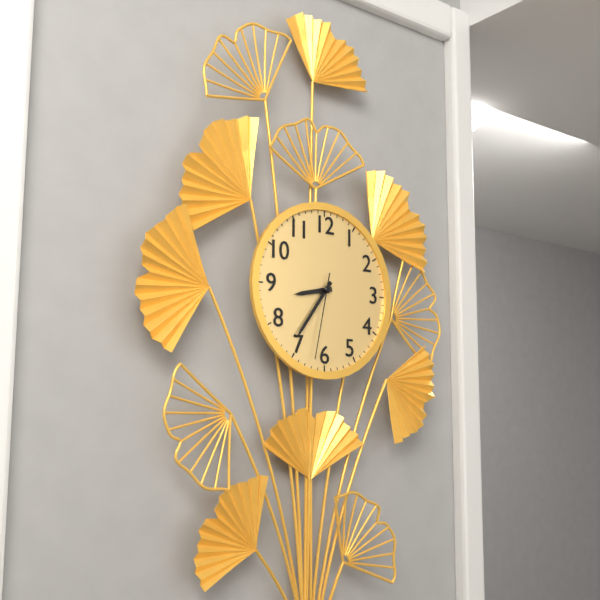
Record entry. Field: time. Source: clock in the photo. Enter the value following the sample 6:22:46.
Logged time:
8:36:32
